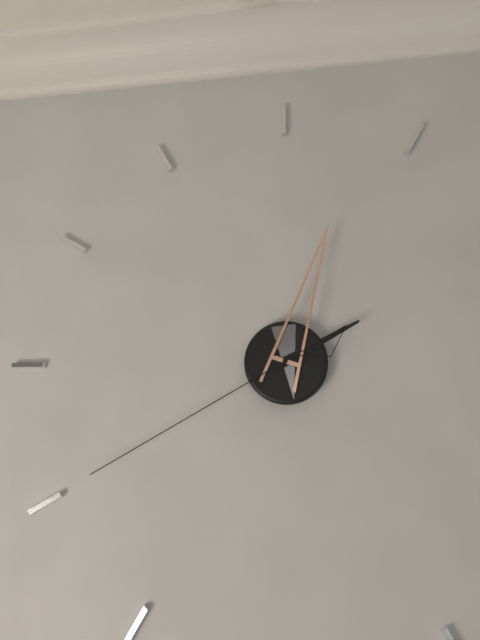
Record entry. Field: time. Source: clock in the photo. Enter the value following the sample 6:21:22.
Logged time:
2:03:40
